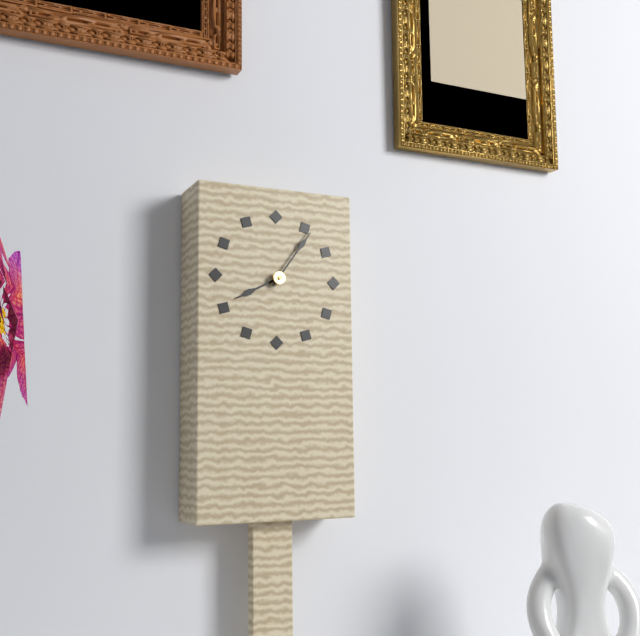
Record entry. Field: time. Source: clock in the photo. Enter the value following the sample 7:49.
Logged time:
8:06
